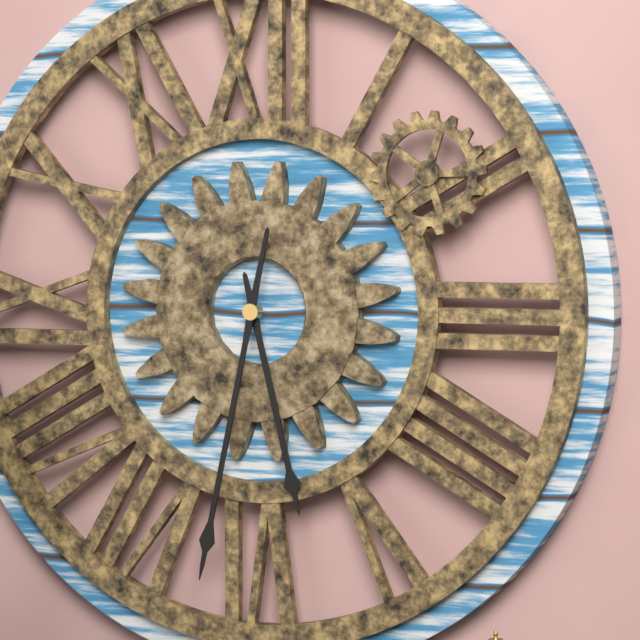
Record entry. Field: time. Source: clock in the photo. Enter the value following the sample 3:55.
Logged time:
5:32
